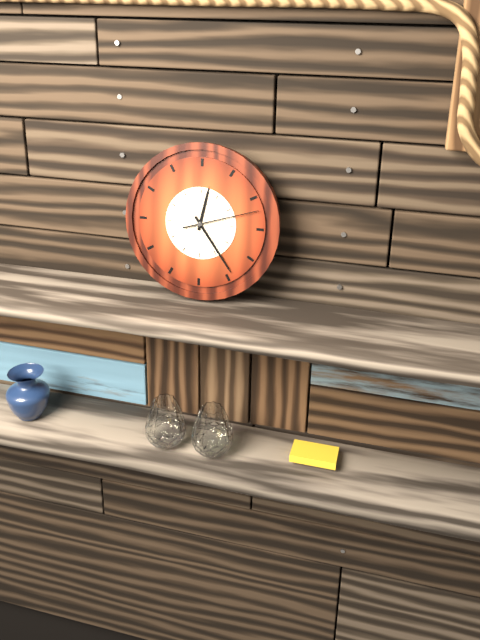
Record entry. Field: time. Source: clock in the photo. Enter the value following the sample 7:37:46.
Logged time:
12:24:12
